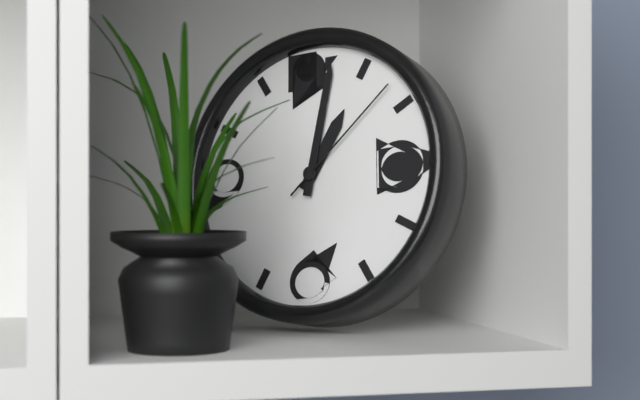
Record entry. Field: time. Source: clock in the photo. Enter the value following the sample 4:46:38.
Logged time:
1:02:08
